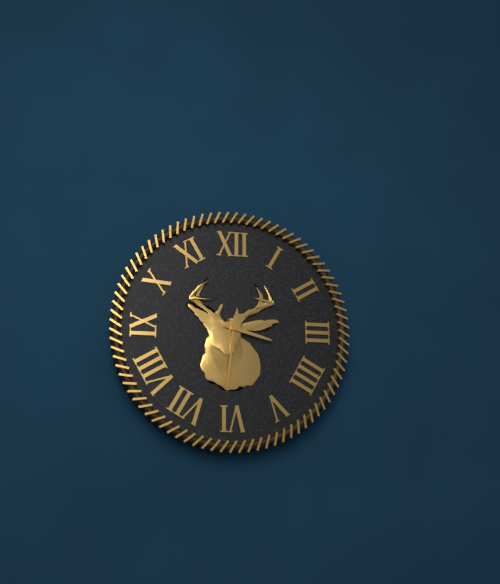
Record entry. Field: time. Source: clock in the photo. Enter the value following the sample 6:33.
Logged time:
3:31
